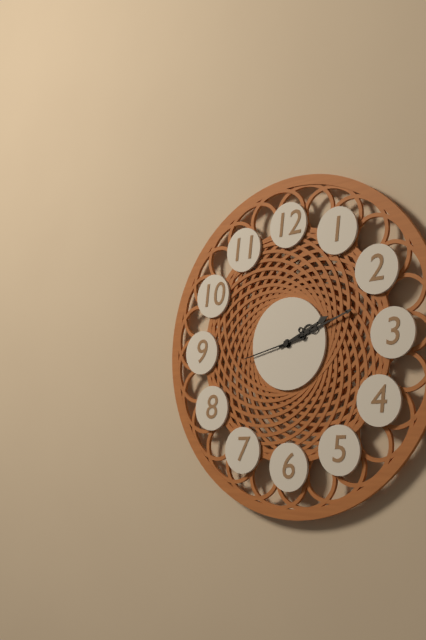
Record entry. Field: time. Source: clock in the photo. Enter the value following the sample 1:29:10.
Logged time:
2:12:43
